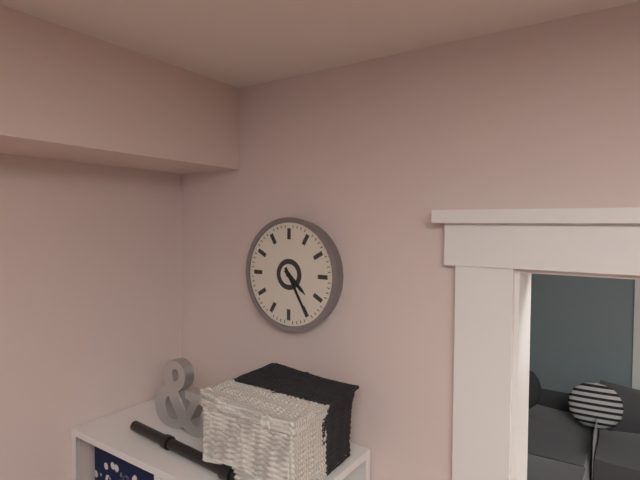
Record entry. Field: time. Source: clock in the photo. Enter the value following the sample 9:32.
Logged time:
4:25
